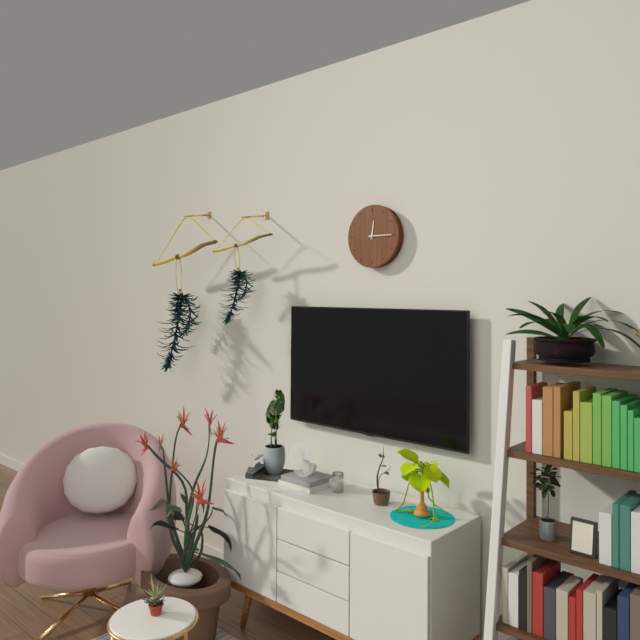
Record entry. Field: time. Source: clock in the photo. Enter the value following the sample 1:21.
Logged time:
12:15
